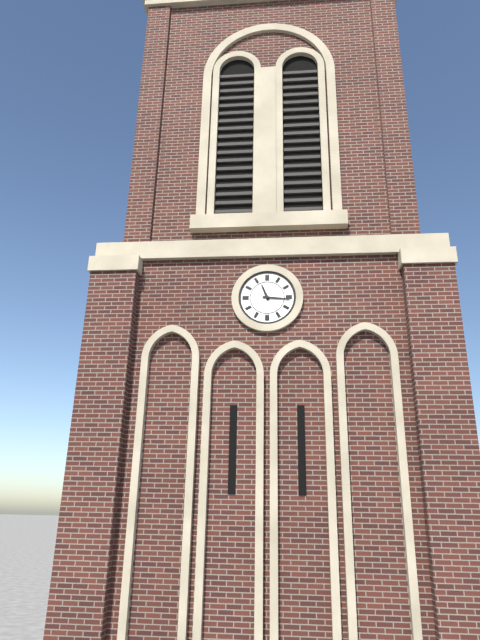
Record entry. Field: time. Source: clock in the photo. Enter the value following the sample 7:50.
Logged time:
11:16
